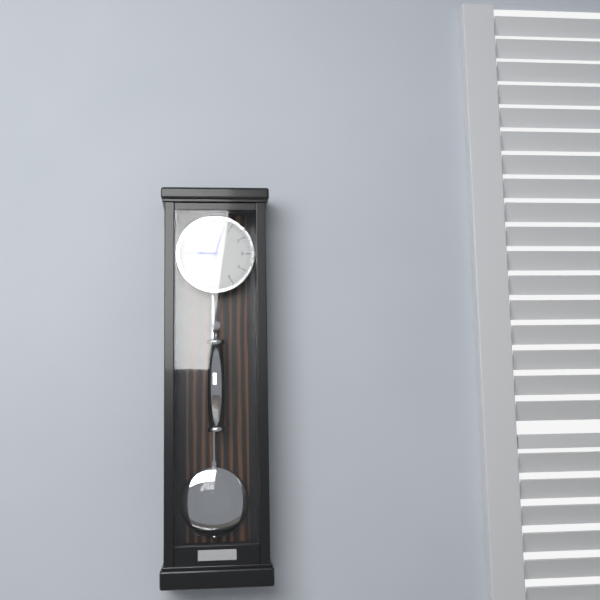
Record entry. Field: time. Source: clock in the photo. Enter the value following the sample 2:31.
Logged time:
9:03
